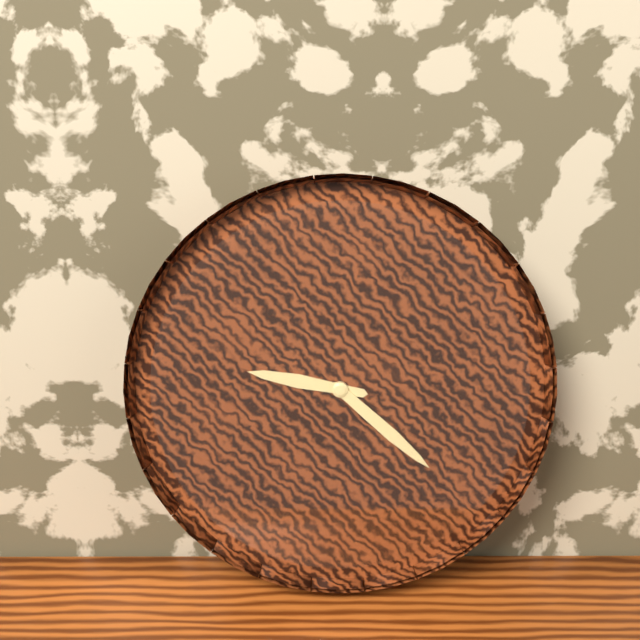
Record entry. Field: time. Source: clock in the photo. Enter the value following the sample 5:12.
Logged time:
9:22
